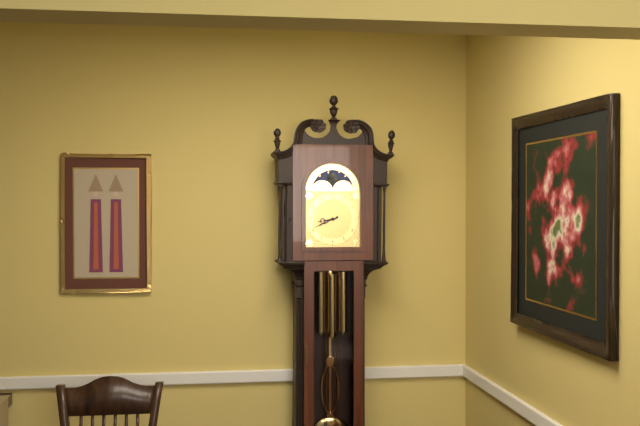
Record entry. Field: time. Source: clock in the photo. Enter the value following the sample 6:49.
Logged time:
8:41
